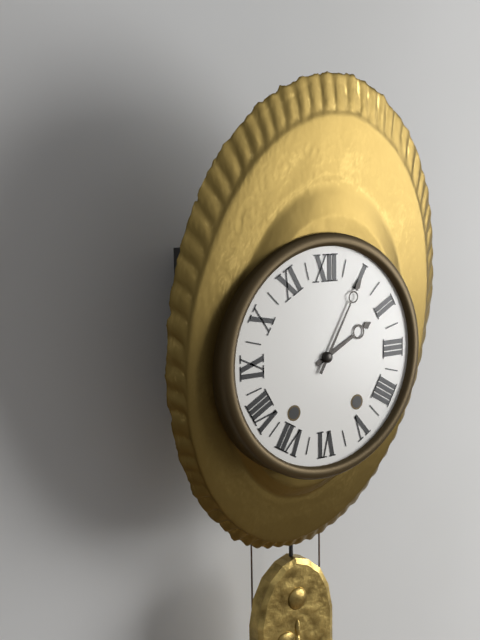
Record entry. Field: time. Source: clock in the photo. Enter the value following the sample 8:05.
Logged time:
2:05
